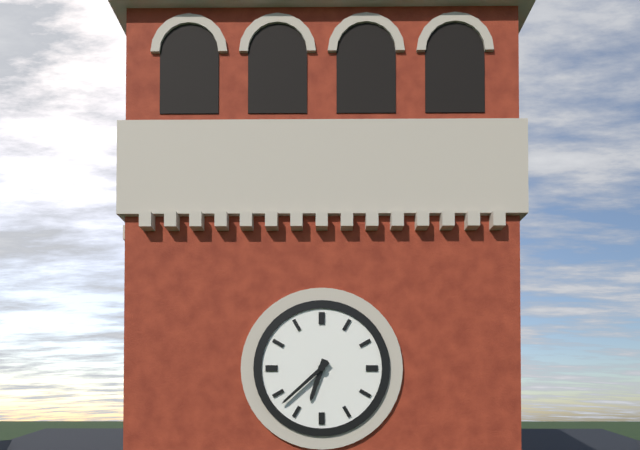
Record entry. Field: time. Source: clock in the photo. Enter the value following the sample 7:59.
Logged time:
6:38
